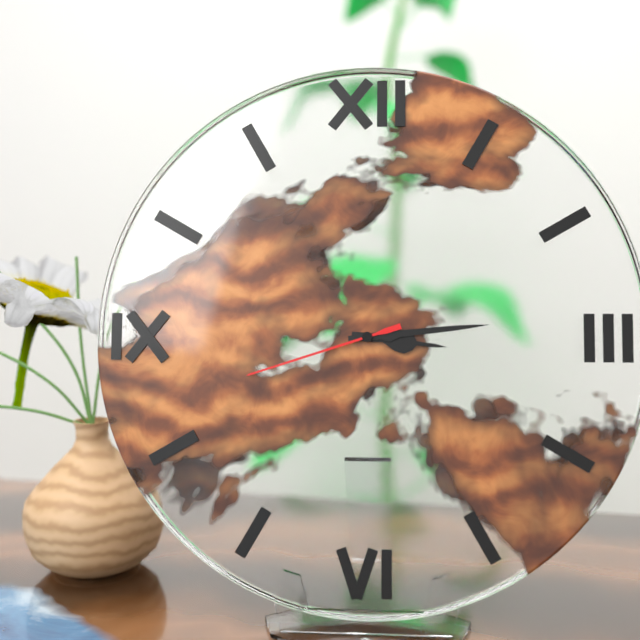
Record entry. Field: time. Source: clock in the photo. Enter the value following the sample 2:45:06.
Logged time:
3:14:42
